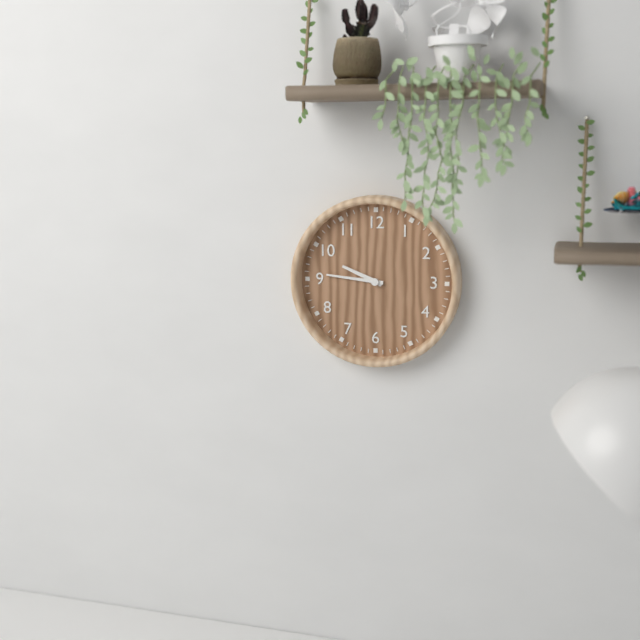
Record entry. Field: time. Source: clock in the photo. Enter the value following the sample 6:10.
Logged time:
9:46
